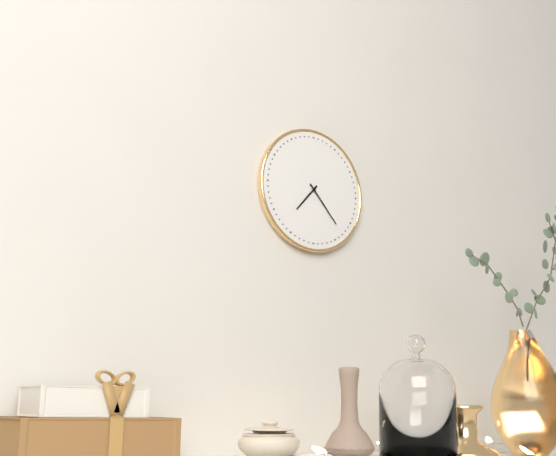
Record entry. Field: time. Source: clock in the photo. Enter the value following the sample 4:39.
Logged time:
7:23
